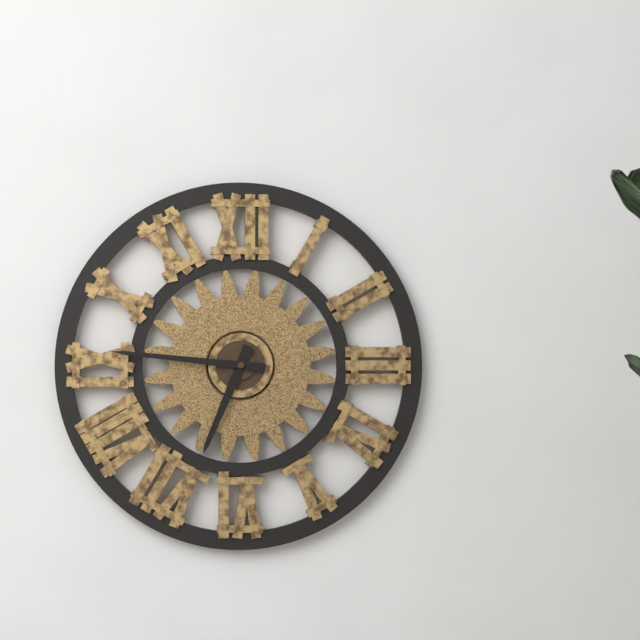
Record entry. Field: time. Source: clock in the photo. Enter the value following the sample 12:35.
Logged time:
6:46
